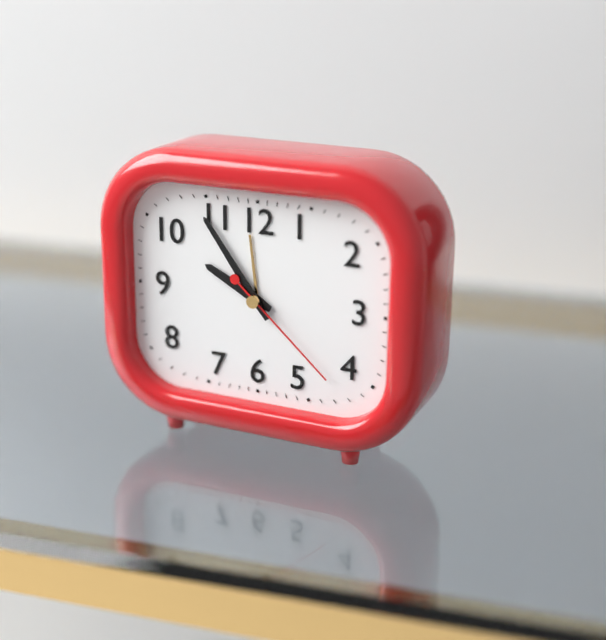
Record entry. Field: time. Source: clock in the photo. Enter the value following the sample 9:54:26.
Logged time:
9:54:22
